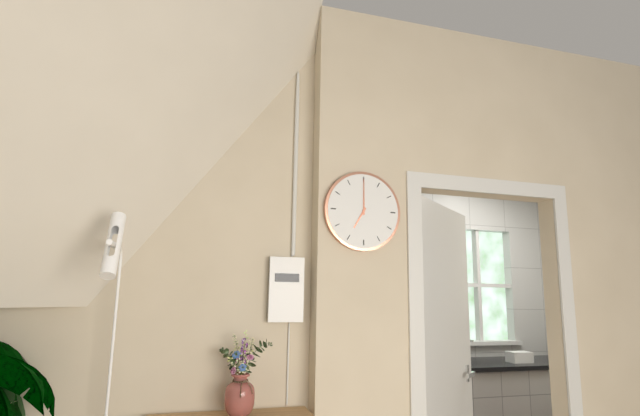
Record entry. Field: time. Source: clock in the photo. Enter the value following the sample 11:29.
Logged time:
7:00
